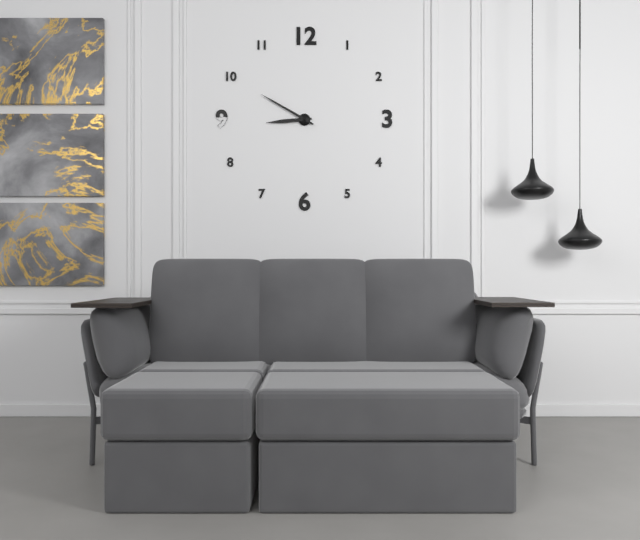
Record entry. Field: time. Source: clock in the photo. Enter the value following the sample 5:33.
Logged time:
8:50
